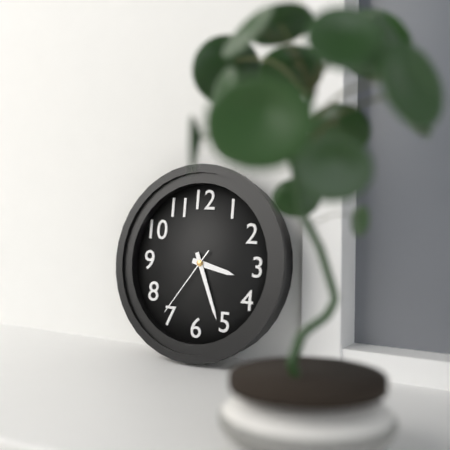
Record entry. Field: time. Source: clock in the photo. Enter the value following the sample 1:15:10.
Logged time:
3:26:36
